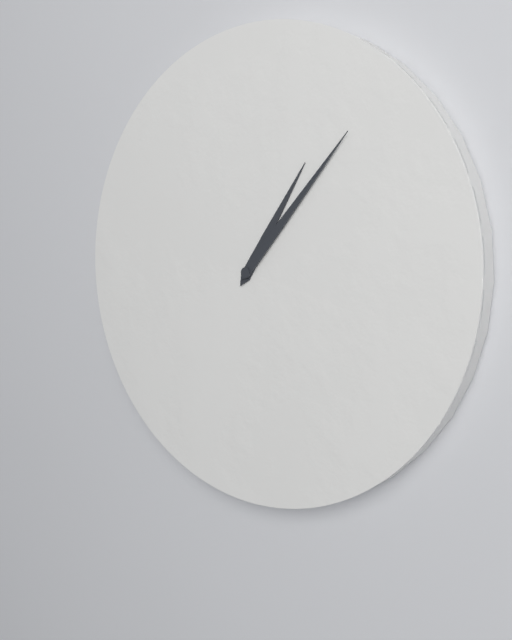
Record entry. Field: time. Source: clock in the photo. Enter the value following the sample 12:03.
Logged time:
1:07
